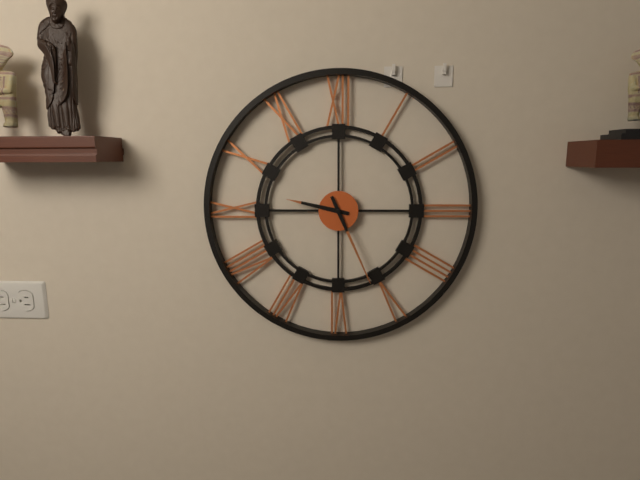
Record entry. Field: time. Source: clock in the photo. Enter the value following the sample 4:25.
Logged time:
9:26
